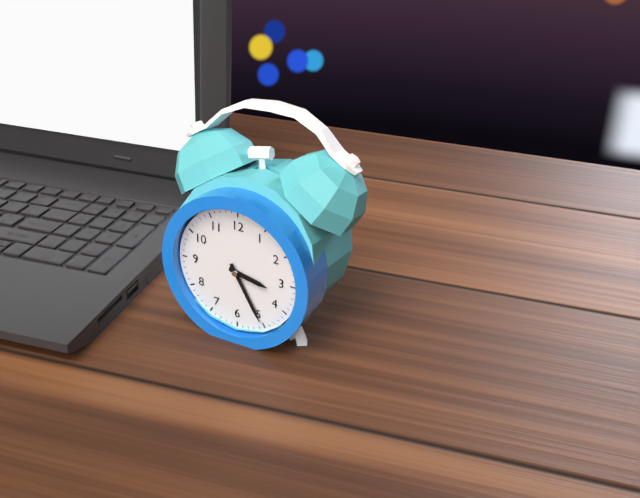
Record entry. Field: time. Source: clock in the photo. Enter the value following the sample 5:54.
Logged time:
3:25
